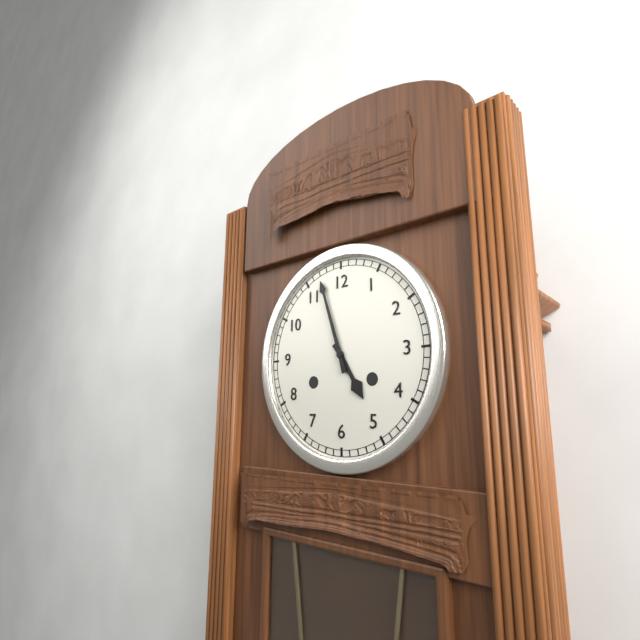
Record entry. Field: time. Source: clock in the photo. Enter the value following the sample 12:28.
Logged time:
4:57
